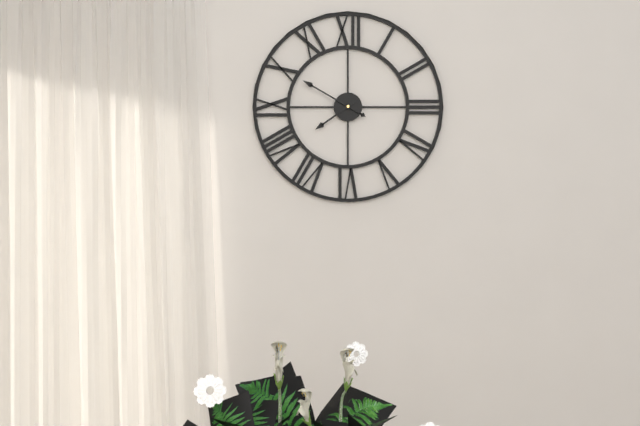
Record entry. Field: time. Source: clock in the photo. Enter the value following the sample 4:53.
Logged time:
7:50
